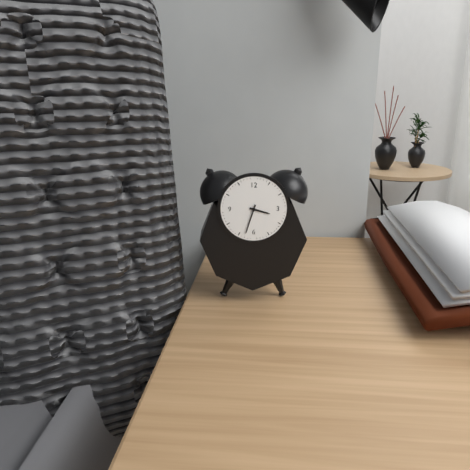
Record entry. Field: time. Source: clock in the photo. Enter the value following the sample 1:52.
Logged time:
3:33
